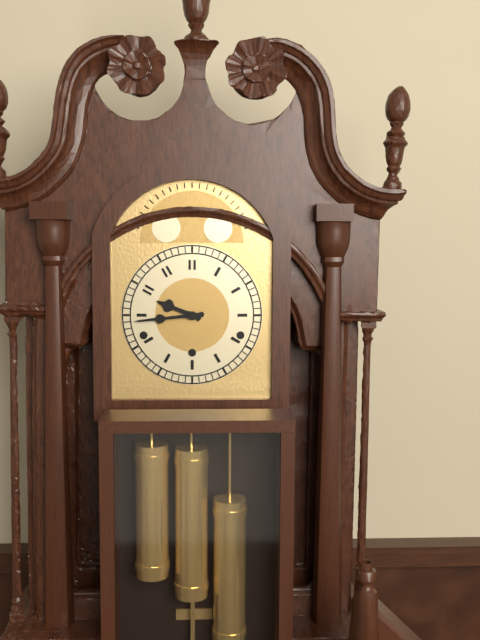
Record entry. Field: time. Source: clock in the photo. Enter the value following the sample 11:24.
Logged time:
9:44
